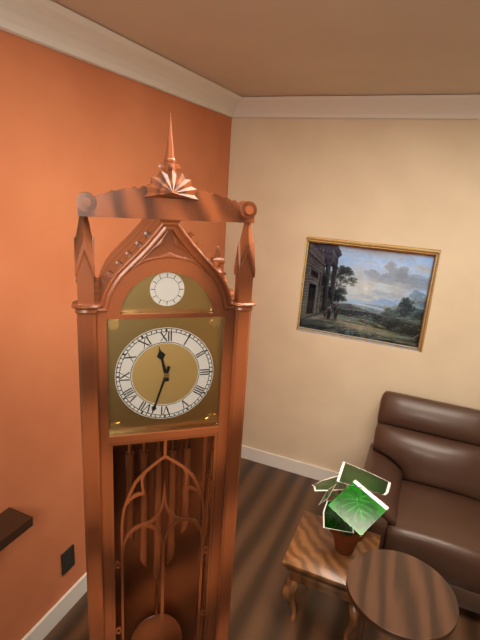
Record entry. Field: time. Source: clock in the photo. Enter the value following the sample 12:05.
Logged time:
11:33
